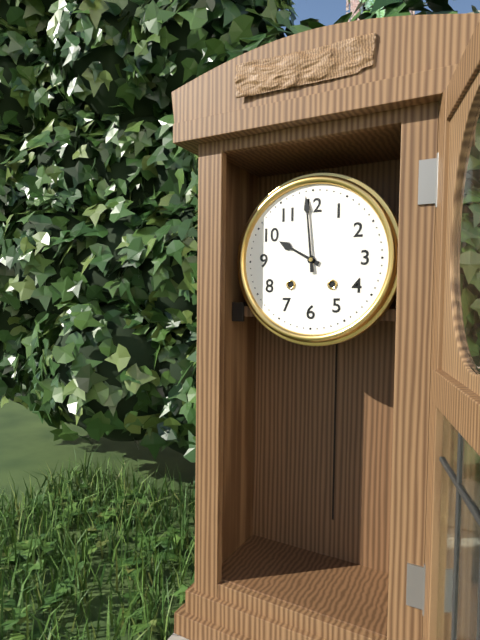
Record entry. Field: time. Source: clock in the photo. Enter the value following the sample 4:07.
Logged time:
9:59
